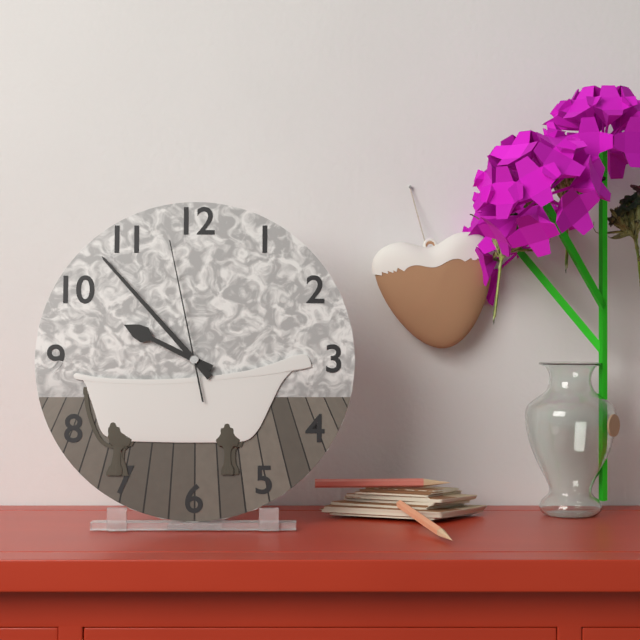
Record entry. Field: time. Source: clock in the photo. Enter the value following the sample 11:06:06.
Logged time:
9:53:58
